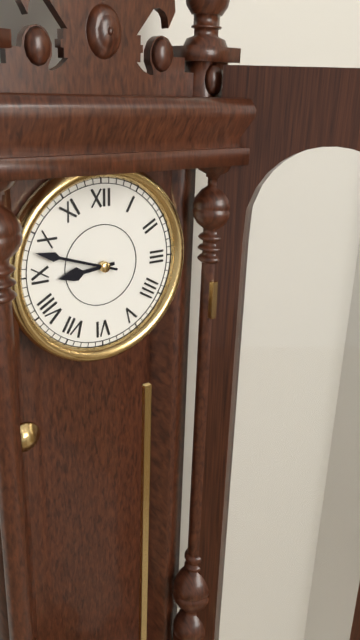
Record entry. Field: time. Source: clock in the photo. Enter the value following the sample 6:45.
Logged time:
8:48
